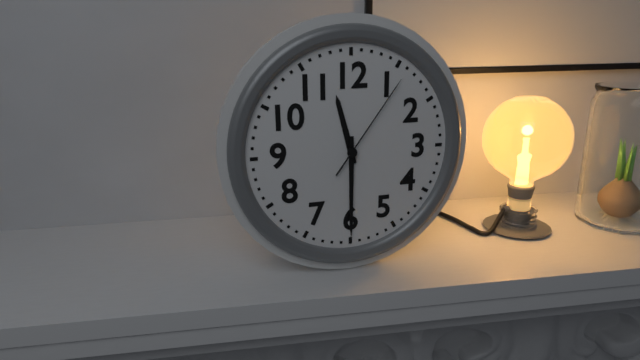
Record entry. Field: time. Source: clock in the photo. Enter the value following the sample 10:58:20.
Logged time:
11:30:06
